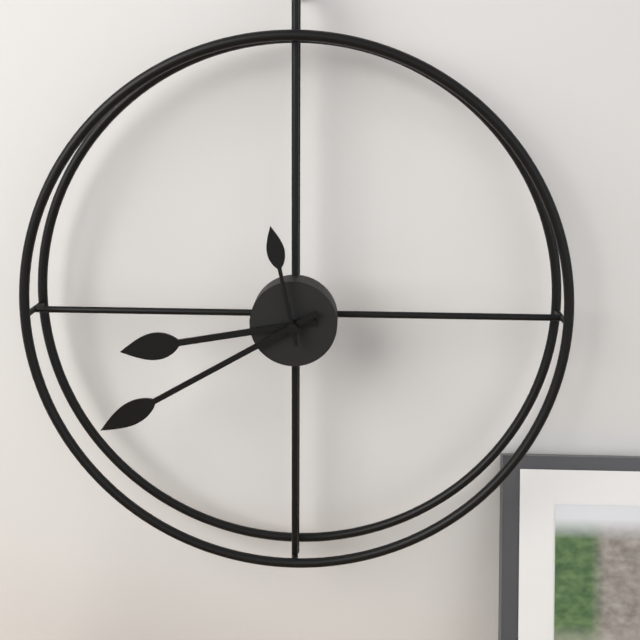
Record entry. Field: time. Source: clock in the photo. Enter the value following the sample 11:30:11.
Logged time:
8:40:58
